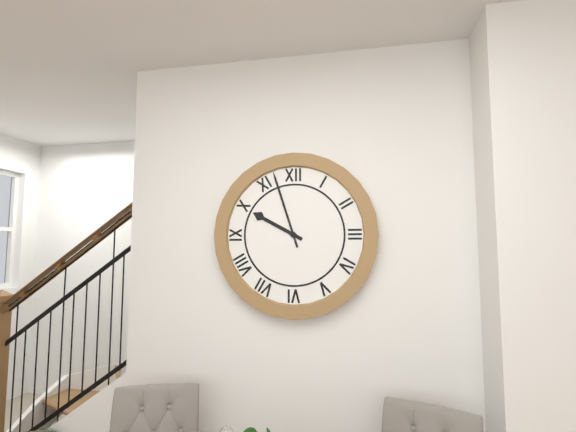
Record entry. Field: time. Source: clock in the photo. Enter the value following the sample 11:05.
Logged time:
9:57
